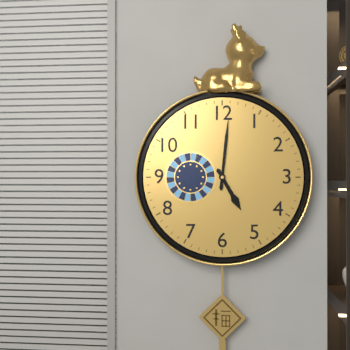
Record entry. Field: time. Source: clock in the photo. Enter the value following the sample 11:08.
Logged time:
5:01
